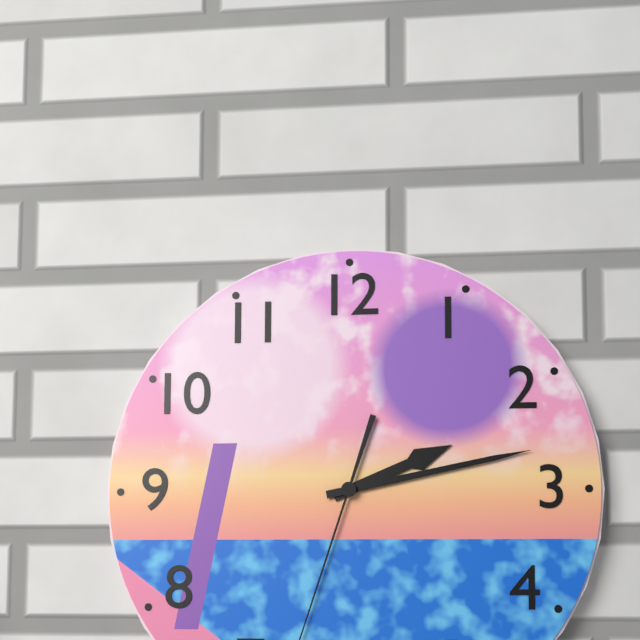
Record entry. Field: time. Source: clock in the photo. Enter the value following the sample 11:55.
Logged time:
2:13
